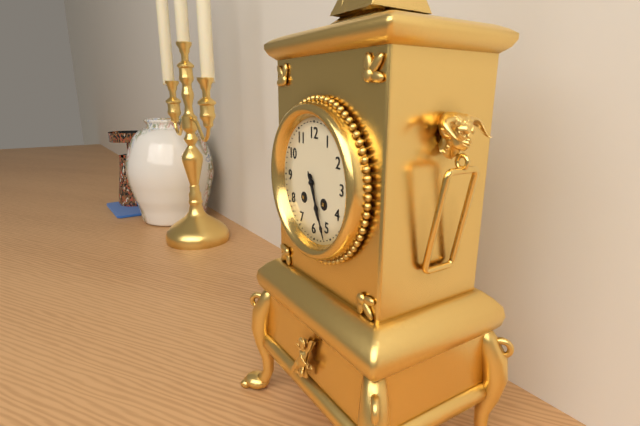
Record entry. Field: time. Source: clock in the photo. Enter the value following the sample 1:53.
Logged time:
5:26
